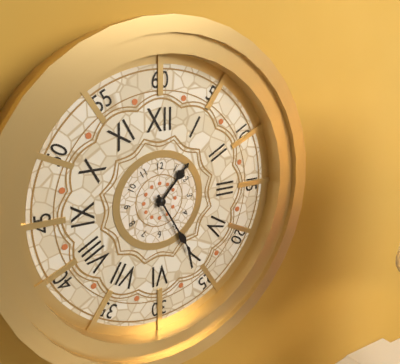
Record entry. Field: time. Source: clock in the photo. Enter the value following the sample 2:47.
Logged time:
1:25
